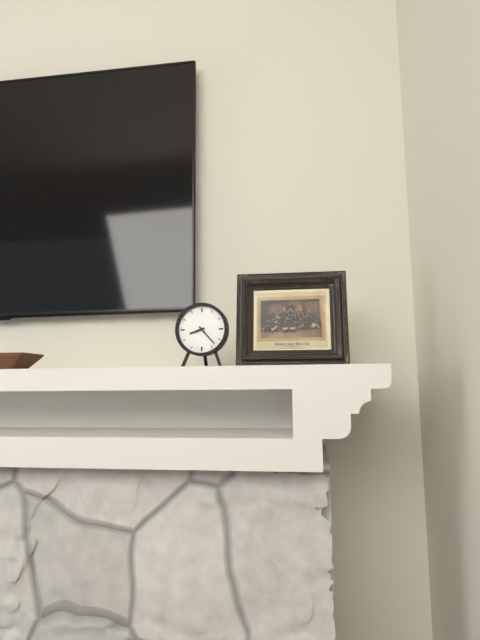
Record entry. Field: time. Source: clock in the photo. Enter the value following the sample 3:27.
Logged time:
8:23
